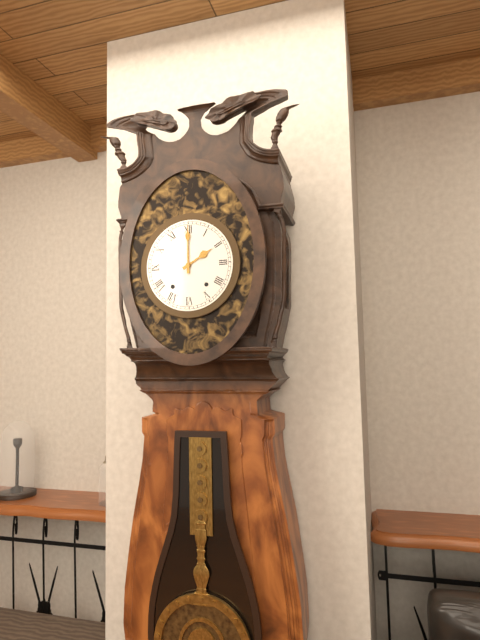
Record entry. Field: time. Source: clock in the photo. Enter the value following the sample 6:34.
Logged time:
2:00
